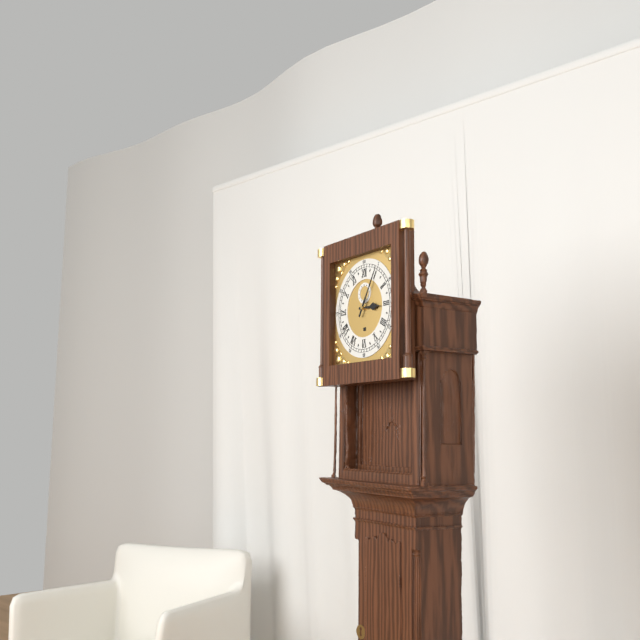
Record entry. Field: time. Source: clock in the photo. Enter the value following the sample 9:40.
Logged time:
3:05
